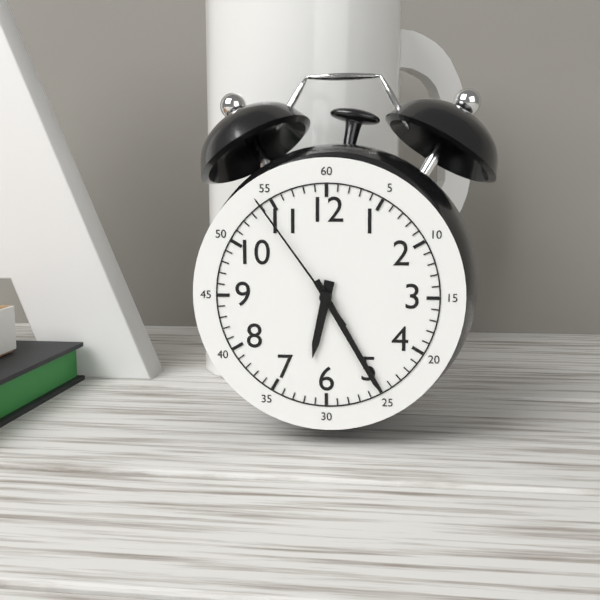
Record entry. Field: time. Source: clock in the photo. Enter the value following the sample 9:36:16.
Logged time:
6:25:54
